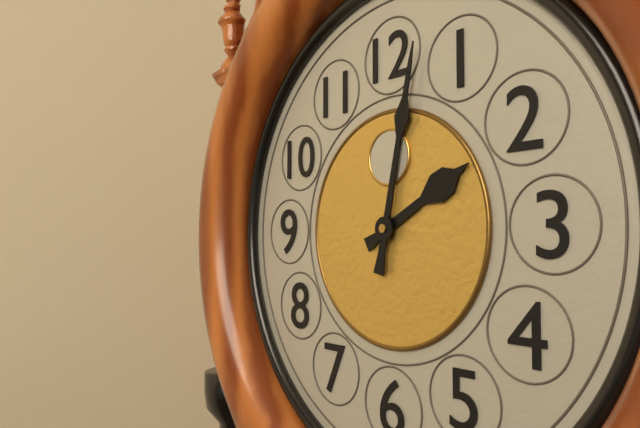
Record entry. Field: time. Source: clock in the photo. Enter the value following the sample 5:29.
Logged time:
2:02
